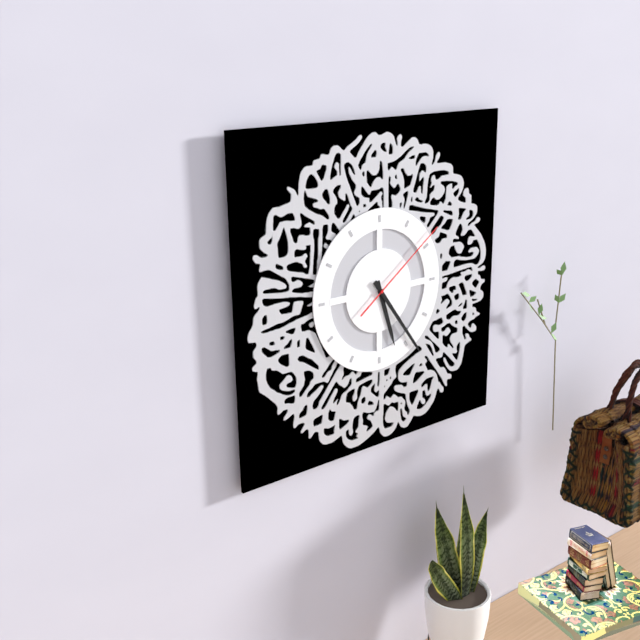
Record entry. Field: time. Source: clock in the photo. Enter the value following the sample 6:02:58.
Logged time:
5:24:09
